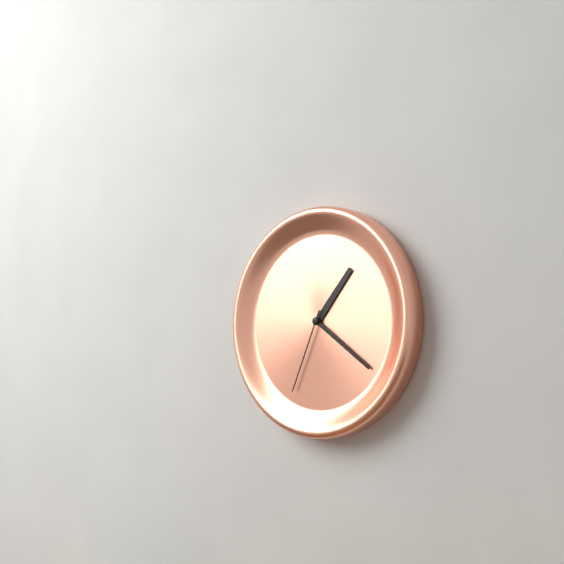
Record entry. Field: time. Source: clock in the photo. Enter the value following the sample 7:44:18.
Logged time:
1:21:34
